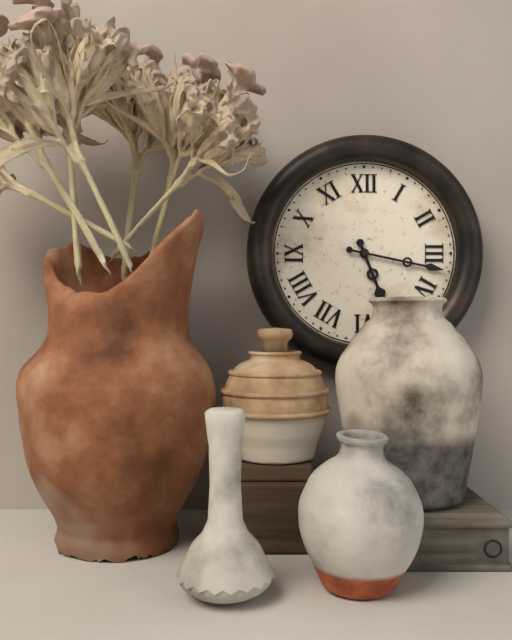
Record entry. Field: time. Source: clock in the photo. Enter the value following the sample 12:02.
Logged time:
5:17
